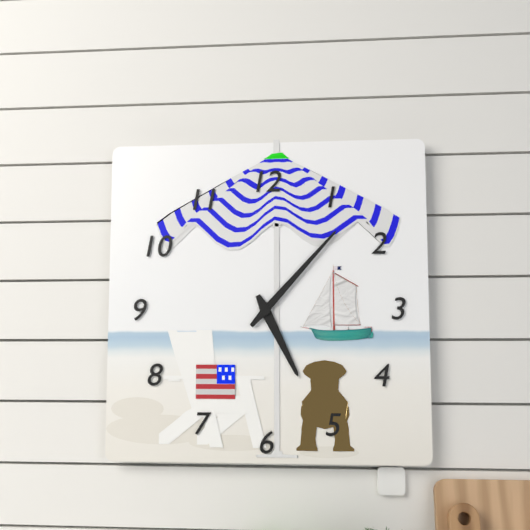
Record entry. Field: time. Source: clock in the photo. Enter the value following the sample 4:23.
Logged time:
5:07
